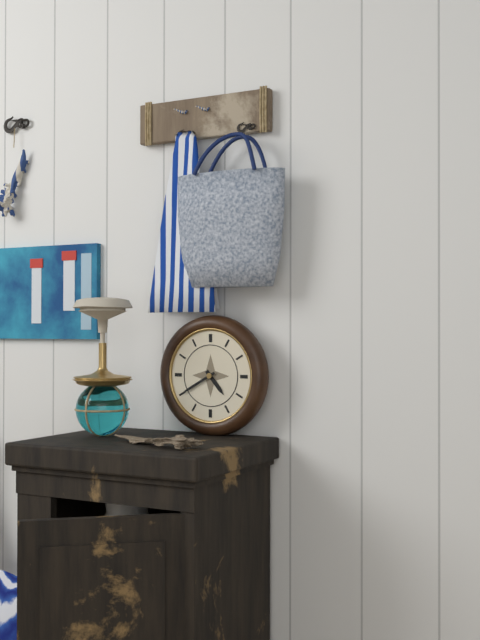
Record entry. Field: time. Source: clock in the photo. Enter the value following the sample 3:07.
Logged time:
4:40
